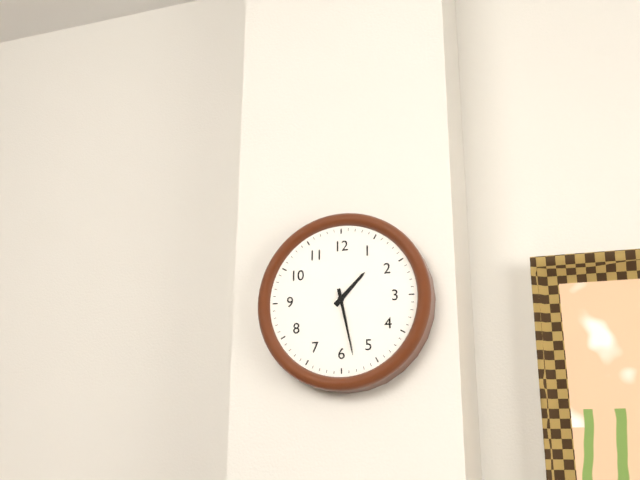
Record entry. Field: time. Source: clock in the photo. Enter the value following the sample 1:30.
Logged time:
1:28
